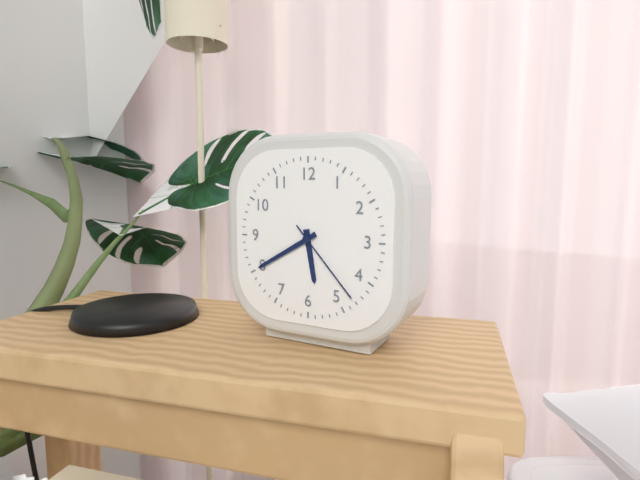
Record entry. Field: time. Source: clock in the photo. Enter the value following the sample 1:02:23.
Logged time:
5:40:23
